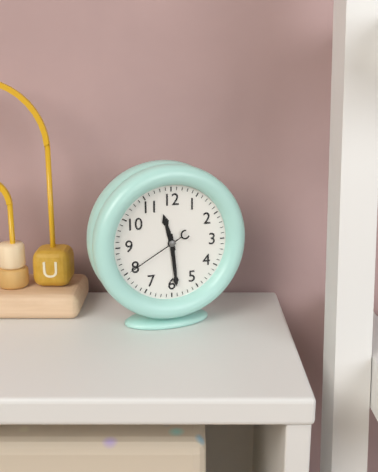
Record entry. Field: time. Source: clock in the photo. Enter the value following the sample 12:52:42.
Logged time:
11:29:40
